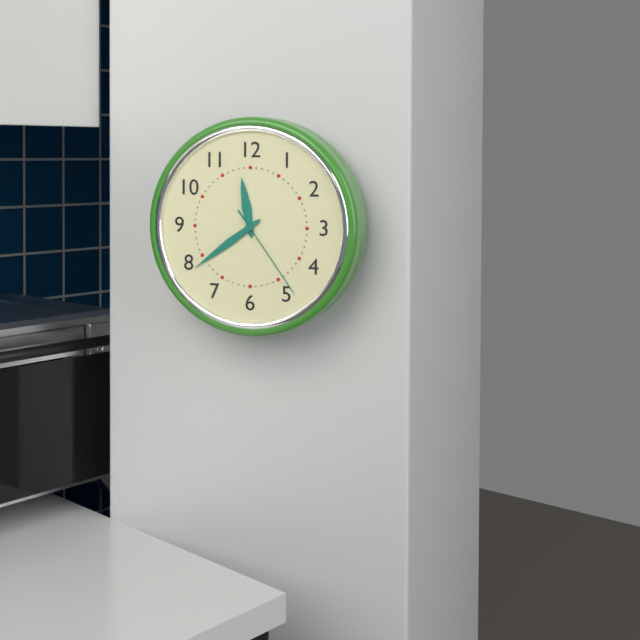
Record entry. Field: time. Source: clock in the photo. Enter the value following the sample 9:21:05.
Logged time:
11:39:24
